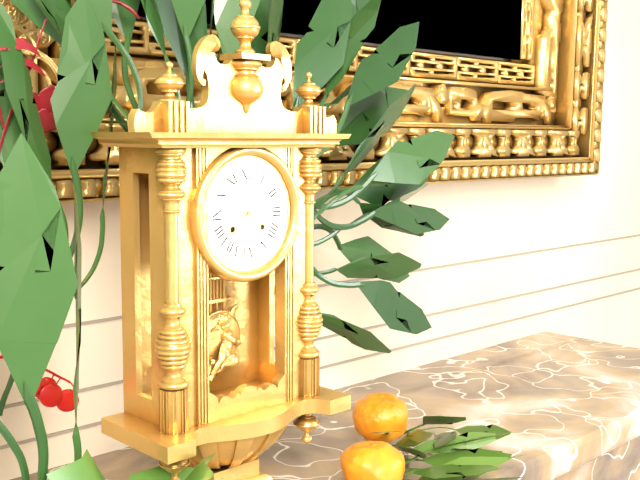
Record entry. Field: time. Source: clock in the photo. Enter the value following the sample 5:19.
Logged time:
2:38
